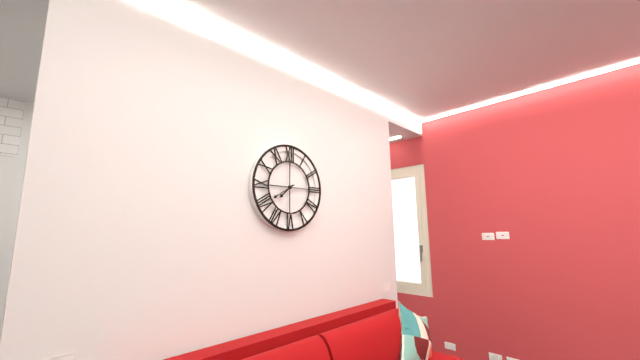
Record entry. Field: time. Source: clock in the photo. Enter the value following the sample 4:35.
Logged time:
7:40
